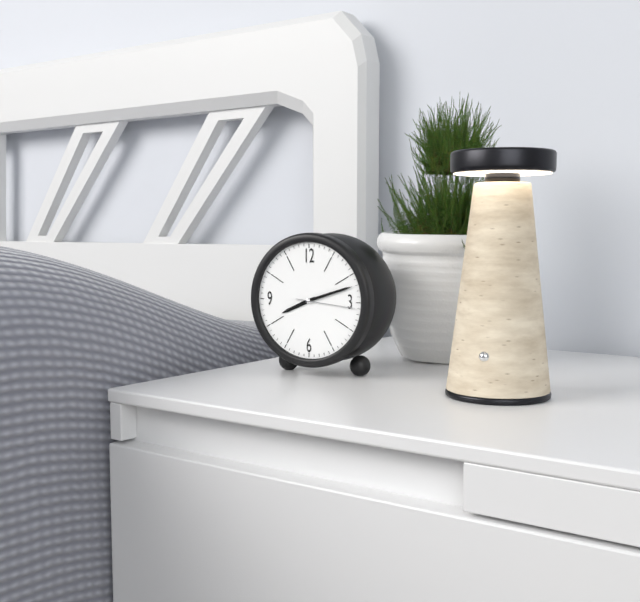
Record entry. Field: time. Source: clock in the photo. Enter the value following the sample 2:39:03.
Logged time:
8:12:16
